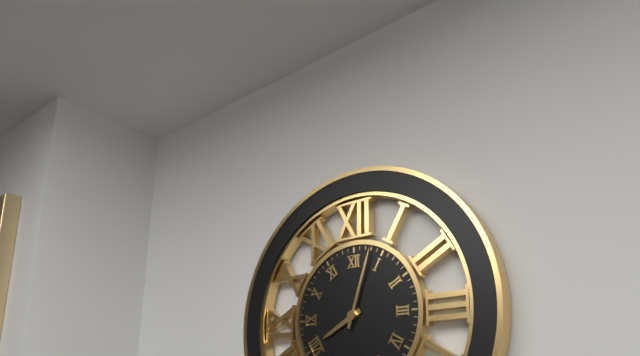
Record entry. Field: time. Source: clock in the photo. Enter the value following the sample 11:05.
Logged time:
8:03
